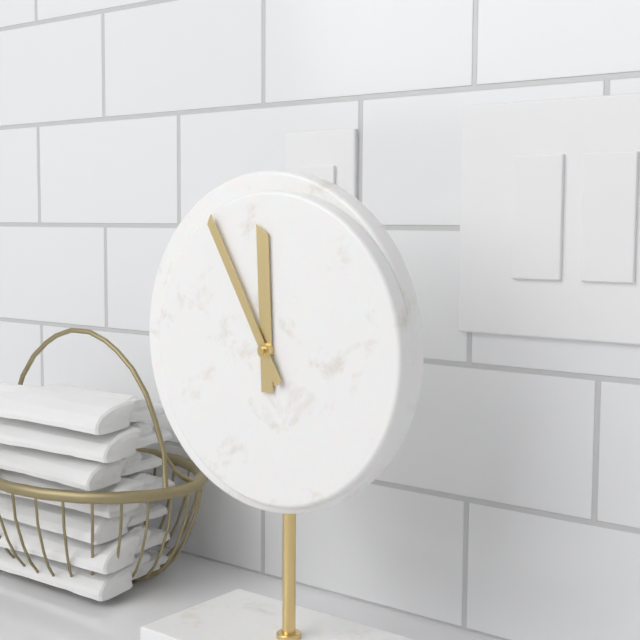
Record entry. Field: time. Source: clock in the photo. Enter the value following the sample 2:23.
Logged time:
11:55
